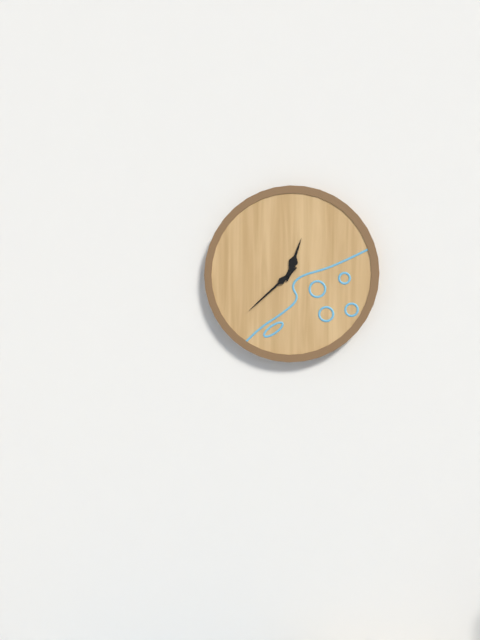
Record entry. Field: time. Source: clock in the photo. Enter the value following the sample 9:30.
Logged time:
12:38
